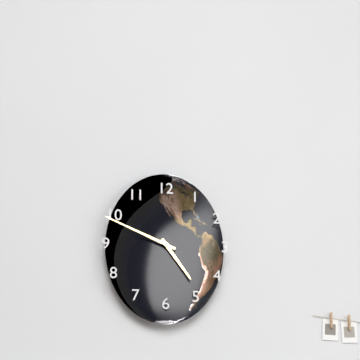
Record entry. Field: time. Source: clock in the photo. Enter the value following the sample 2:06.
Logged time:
4:49
